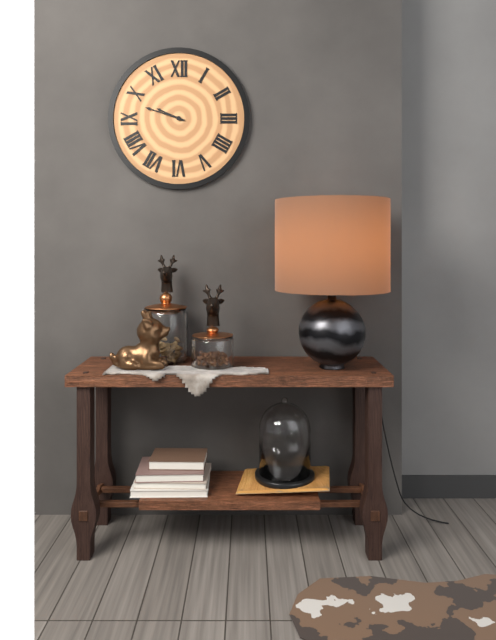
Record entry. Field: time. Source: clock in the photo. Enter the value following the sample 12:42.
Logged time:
9:48
